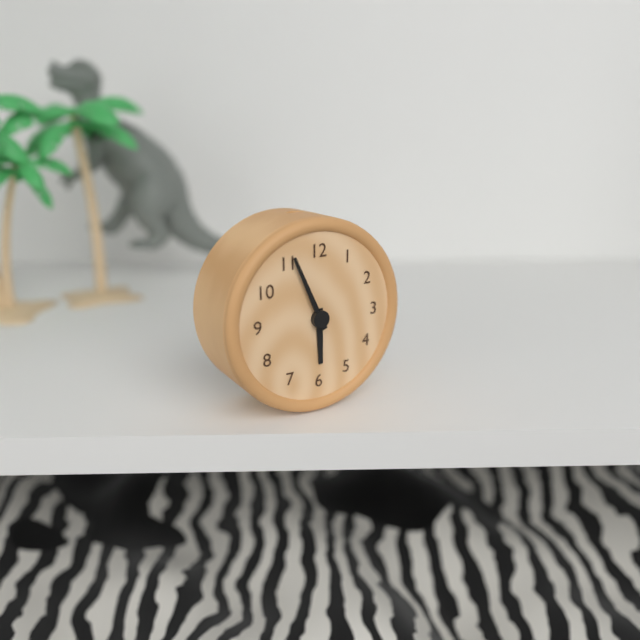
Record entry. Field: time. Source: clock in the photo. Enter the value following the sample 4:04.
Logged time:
5:56
